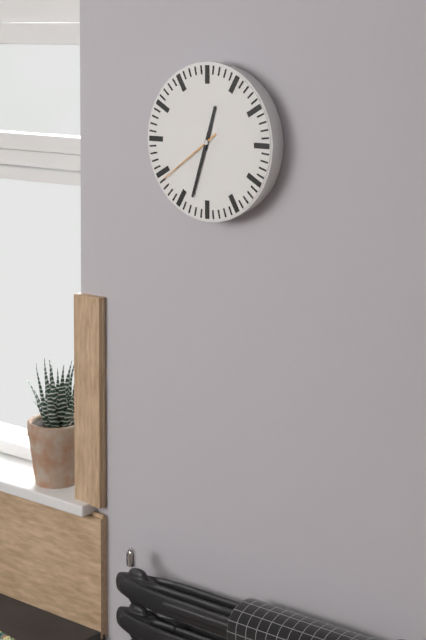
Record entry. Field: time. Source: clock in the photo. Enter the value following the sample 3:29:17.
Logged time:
12:33:39
